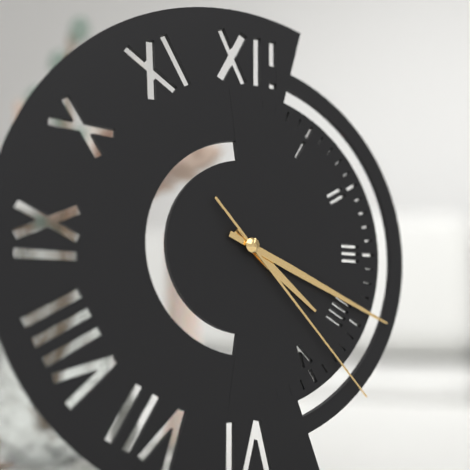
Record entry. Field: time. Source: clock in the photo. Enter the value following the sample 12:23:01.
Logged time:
4:19:23
